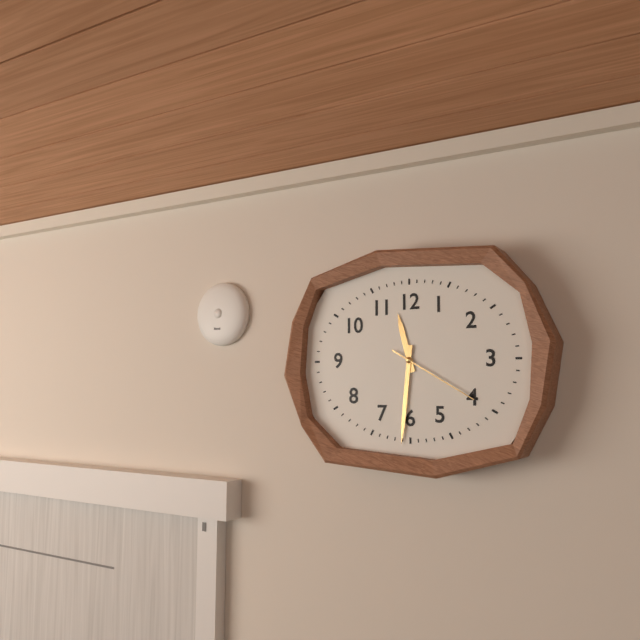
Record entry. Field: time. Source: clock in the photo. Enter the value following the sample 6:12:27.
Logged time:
11:31:20
